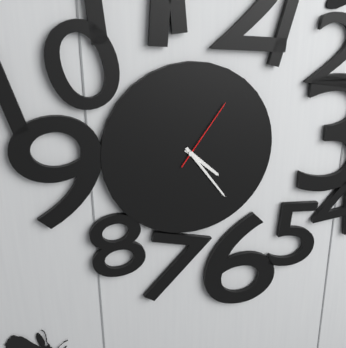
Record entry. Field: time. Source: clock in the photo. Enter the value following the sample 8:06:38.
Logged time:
4:24:06
